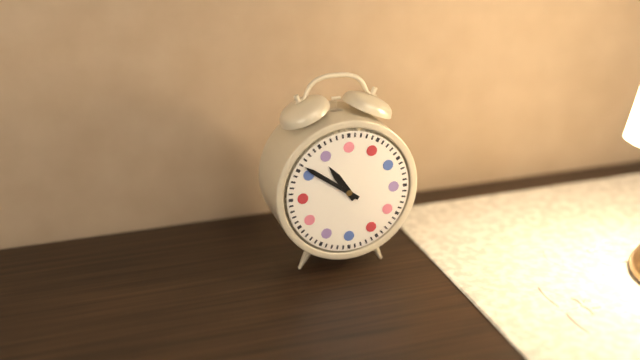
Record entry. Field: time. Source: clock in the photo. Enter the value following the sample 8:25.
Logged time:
10:51
